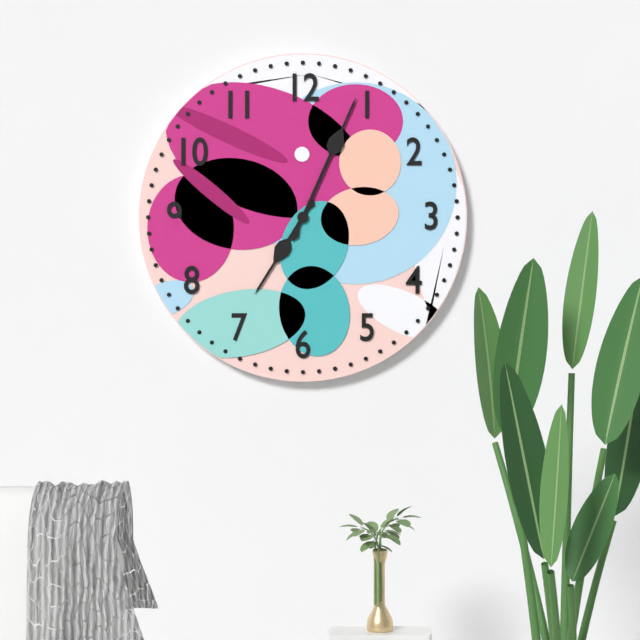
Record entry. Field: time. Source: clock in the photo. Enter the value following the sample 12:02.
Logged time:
7:04
